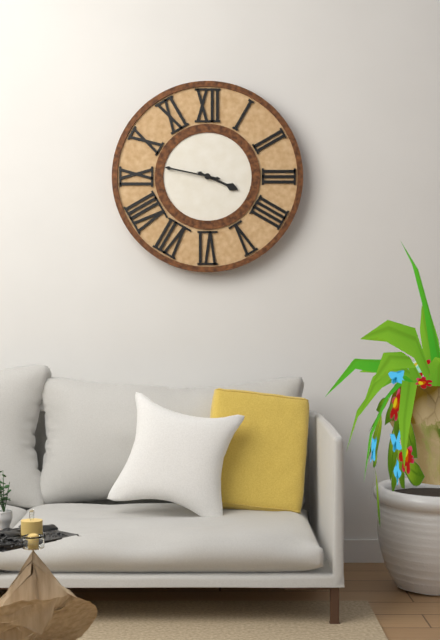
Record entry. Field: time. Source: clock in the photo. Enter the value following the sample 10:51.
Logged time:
3:47
